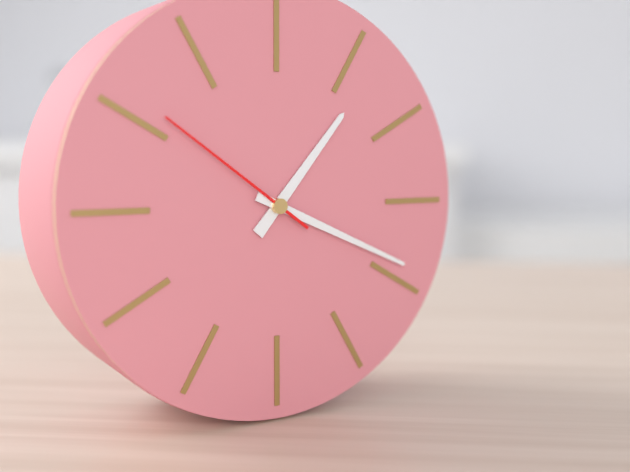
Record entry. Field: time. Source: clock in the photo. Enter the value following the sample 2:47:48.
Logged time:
1:19:51
